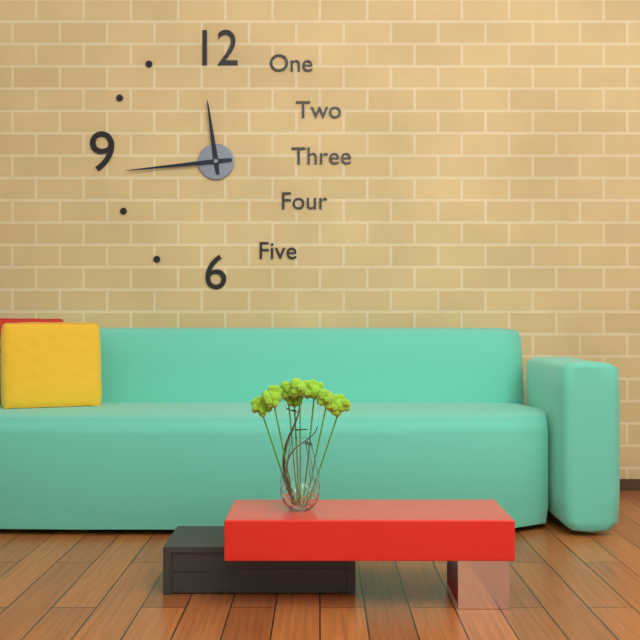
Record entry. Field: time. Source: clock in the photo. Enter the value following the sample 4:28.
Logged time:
11:44
